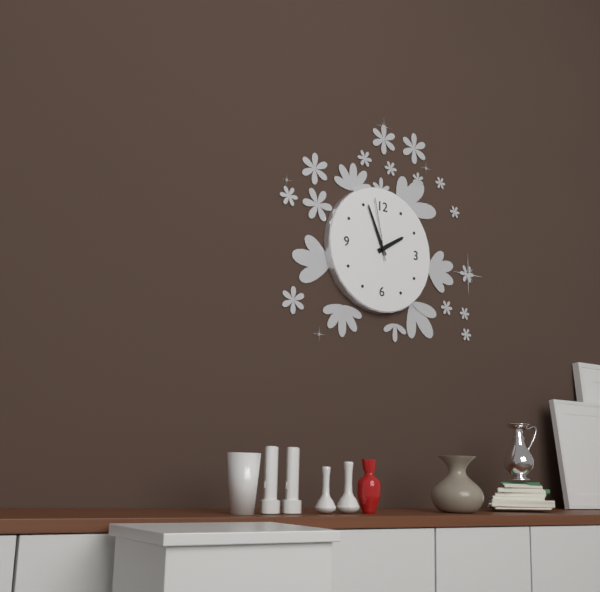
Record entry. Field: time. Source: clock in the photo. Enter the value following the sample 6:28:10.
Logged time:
1:56:58
